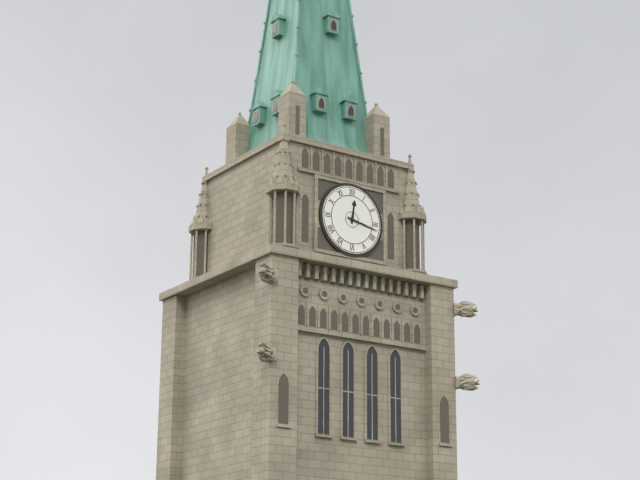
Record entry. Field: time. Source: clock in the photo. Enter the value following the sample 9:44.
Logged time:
12:17
